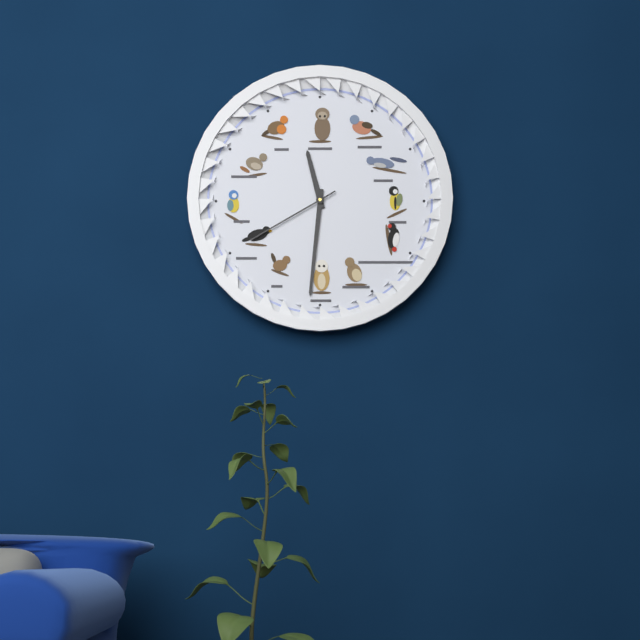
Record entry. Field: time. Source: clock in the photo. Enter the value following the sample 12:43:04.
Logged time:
11:31:40
